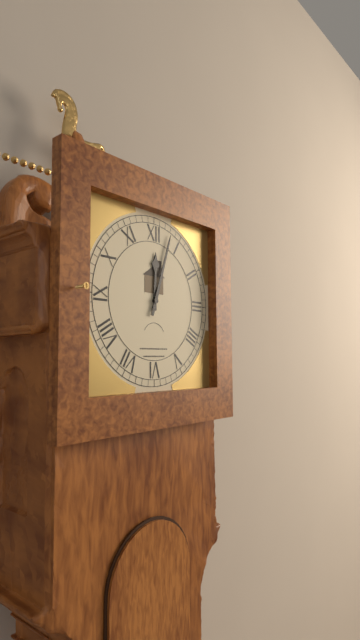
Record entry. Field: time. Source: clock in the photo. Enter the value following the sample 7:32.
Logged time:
12:03
